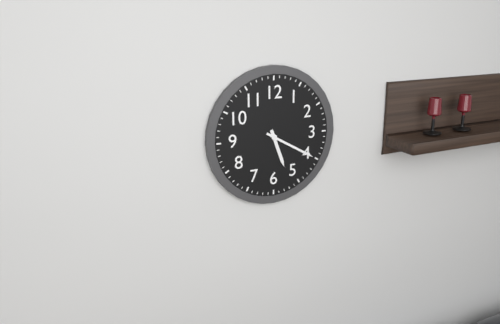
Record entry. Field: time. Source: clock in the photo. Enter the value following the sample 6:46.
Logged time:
5:20
